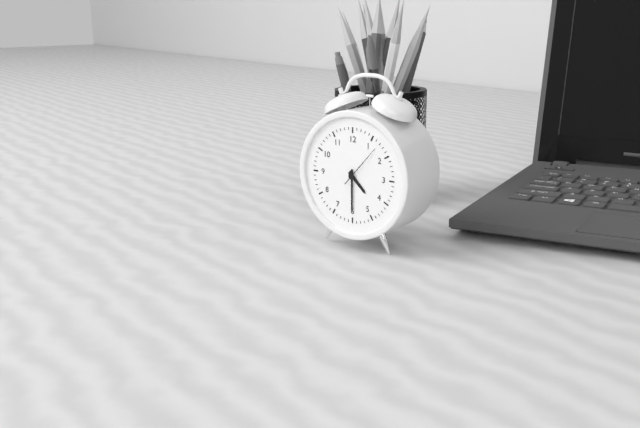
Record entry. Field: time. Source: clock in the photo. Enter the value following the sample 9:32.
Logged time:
4:30
